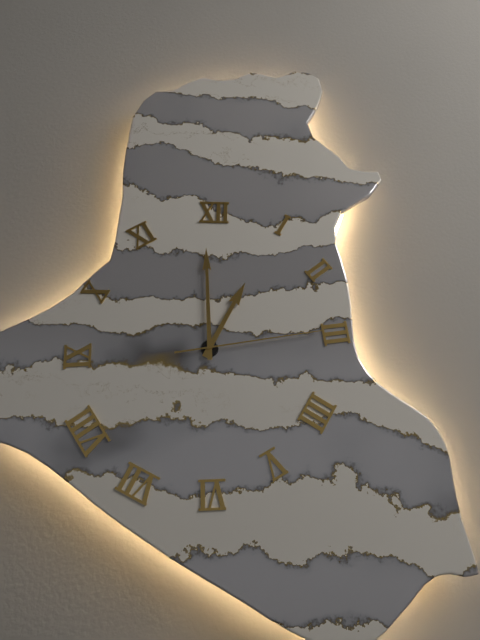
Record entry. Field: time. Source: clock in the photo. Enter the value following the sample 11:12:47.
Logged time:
1:00:14
